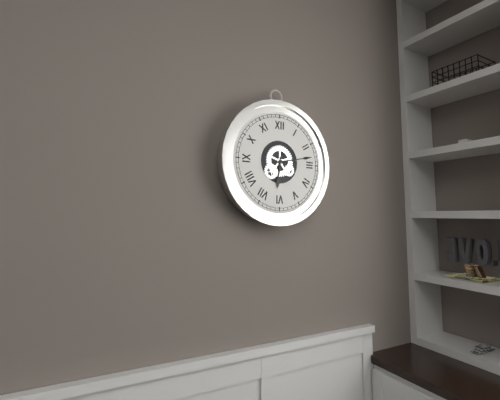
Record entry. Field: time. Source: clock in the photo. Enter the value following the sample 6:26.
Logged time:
6:13
